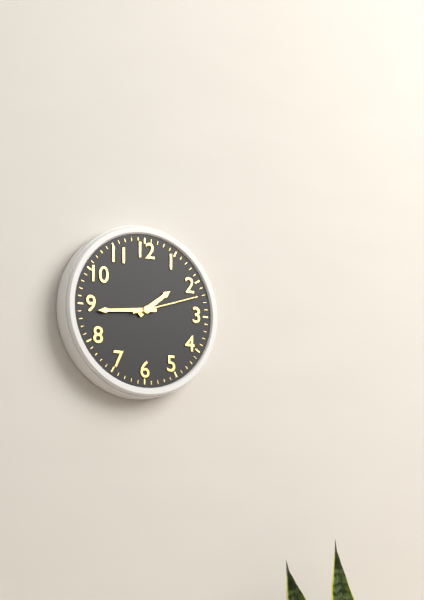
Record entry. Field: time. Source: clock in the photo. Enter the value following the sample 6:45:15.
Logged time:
1:44:12
